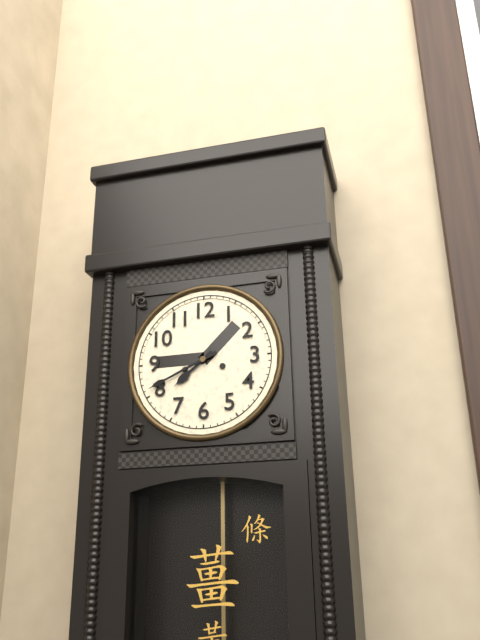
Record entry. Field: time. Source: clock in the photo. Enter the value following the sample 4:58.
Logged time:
7:41
